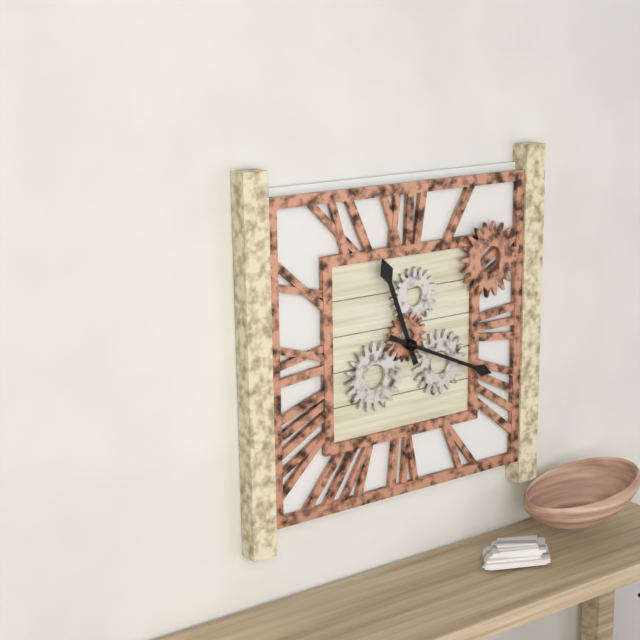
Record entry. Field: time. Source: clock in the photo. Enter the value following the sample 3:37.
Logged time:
11:19
